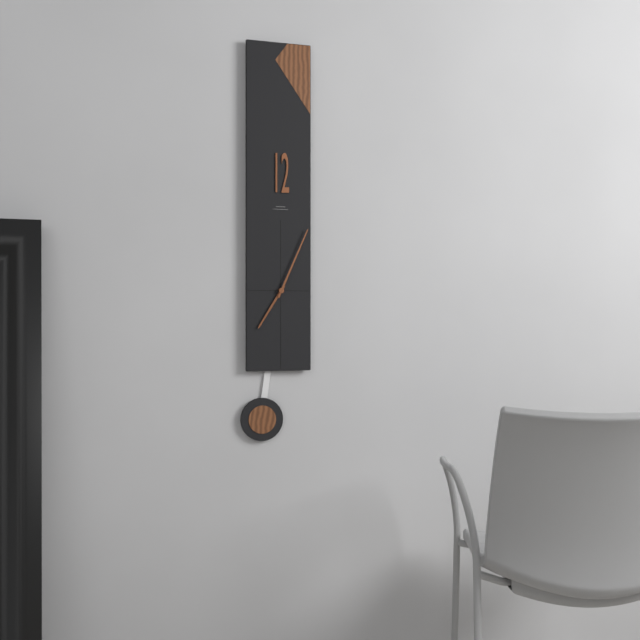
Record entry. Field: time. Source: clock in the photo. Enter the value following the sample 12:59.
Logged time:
7:04
